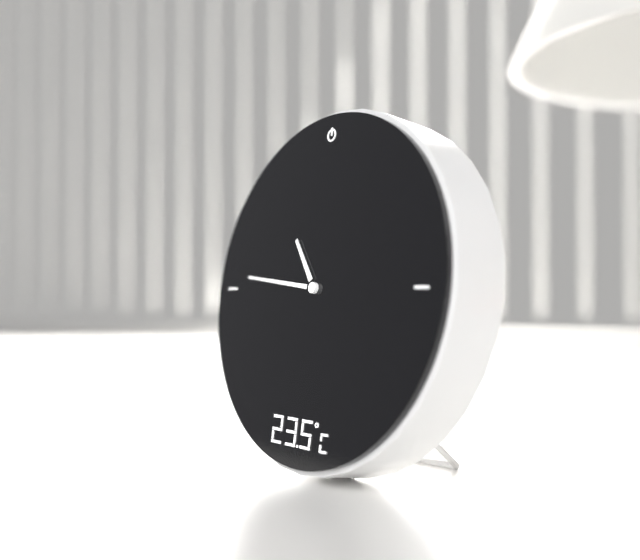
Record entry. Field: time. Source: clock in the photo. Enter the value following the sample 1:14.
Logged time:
10:46
